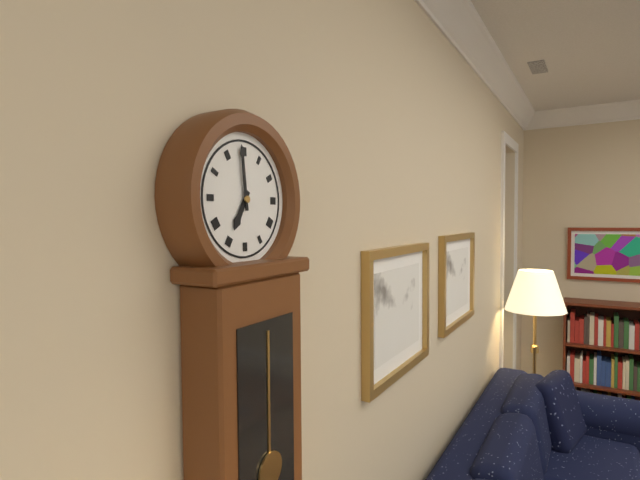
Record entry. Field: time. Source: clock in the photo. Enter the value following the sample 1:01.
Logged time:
6:59
